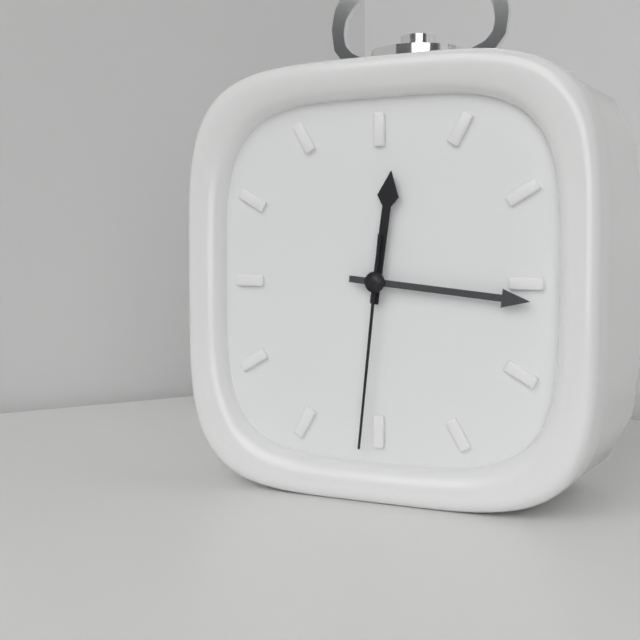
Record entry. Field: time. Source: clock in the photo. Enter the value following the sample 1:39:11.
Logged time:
12:16:31
